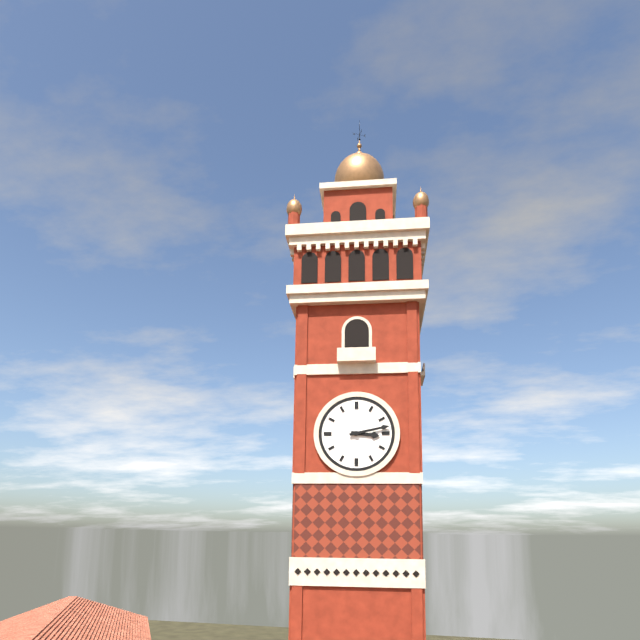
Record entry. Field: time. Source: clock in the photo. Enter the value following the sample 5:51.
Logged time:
3:13
